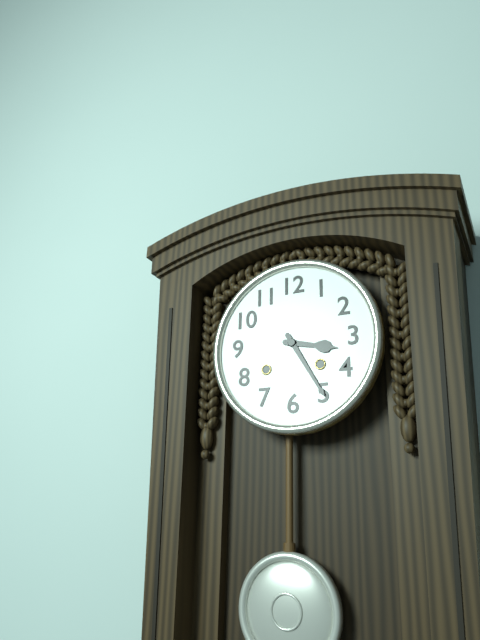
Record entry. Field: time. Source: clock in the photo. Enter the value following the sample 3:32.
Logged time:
3:25
